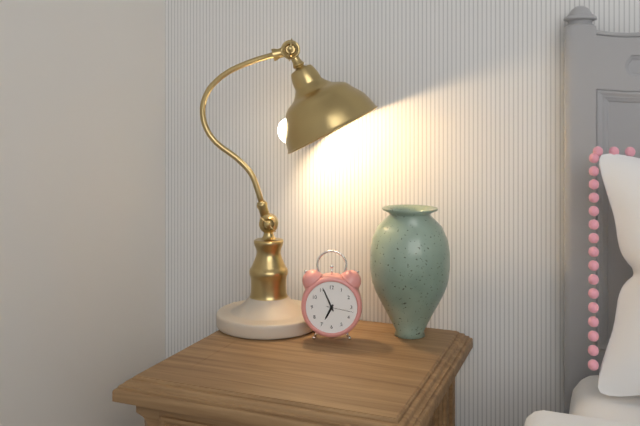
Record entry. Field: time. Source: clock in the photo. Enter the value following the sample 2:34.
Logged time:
6:56
